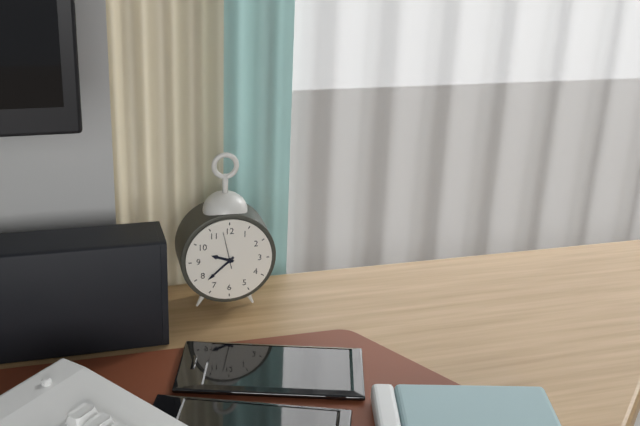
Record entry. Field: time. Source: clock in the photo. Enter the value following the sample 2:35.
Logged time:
9:38
